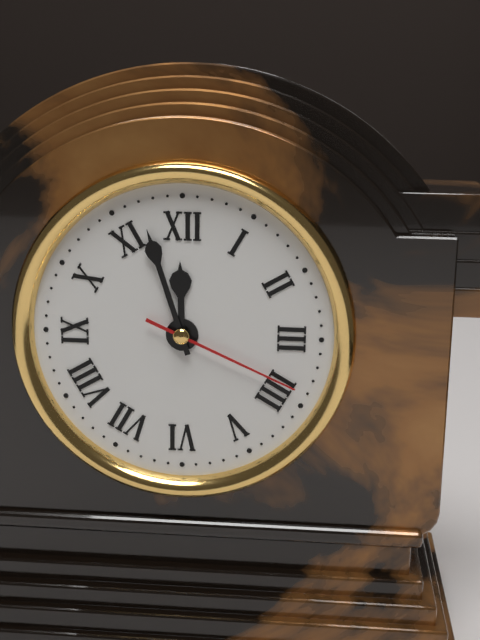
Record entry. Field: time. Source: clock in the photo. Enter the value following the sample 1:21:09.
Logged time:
11:57:19
